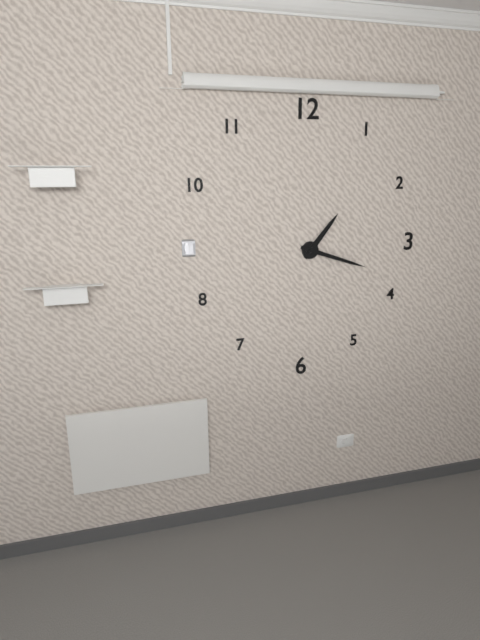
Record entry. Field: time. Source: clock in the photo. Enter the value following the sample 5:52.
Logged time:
1:18
